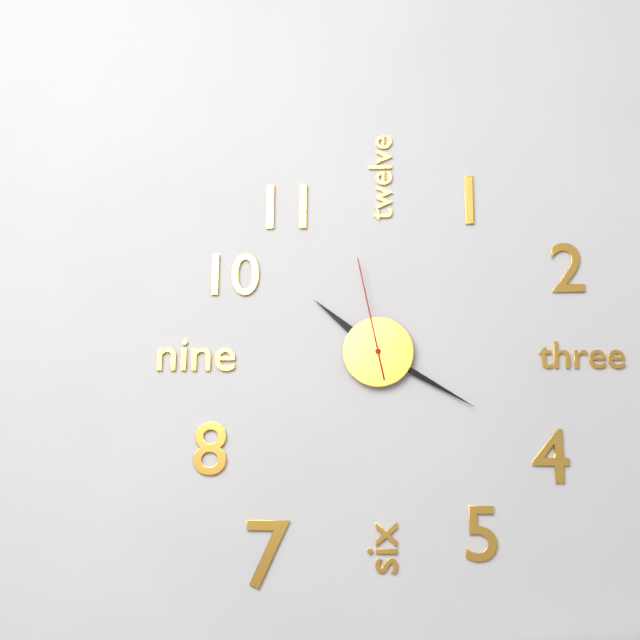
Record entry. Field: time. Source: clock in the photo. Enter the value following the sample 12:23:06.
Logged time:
10:20:58
